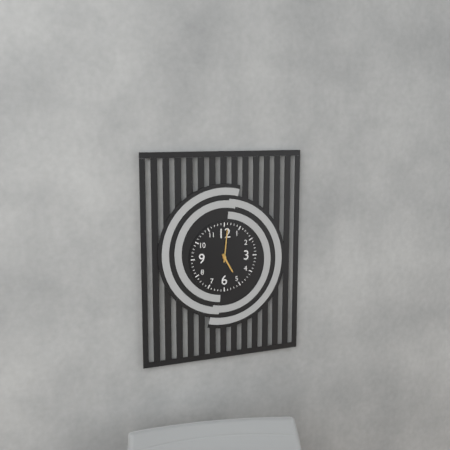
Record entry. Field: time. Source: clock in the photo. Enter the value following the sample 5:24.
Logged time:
5:01
